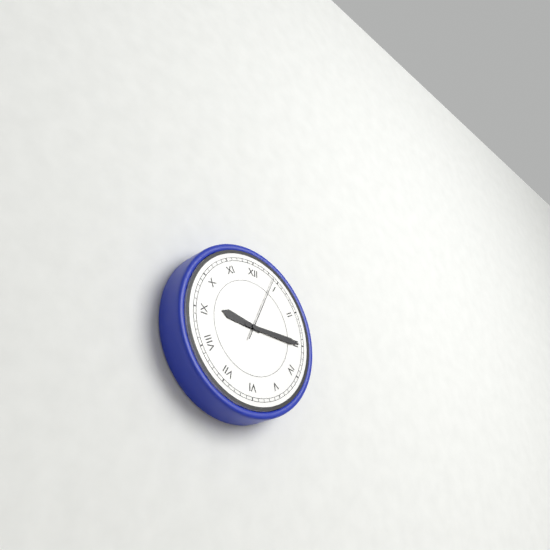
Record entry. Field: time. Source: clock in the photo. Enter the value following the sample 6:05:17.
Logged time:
9:15:04
